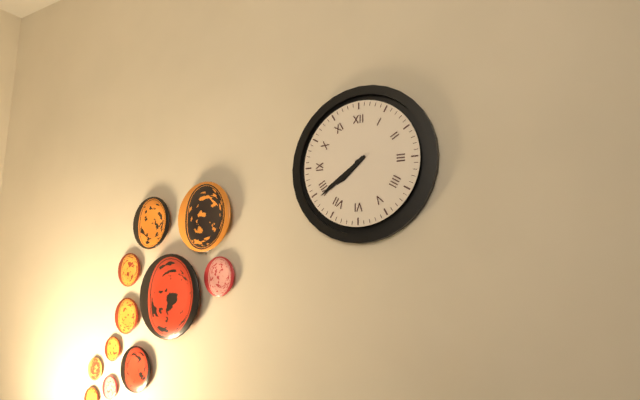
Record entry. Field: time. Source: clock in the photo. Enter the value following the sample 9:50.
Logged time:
7:39
